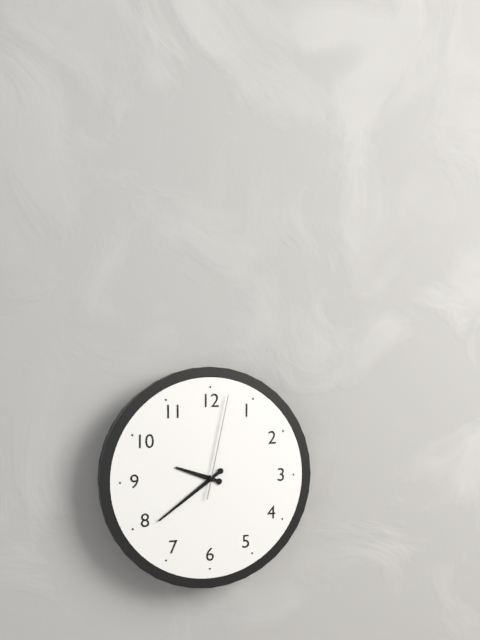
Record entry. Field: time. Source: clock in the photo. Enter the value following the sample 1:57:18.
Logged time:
9:39:02
